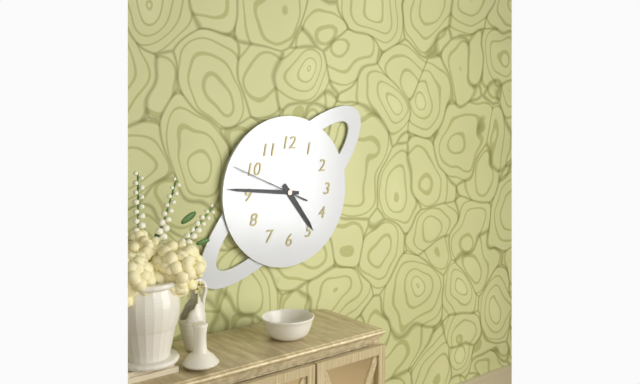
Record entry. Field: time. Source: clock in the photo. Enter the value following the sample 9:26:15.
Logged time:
4:46:49
